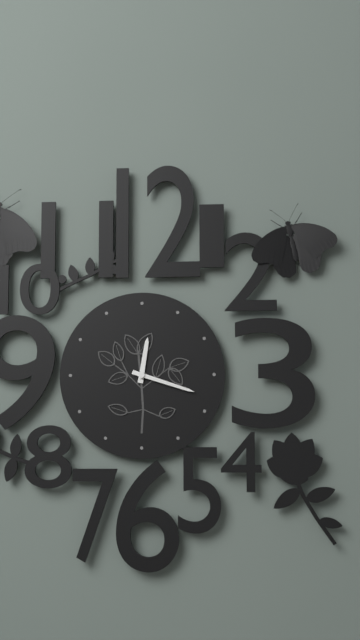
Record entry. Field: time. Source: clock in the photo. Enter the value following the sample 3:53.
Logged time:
12:18
